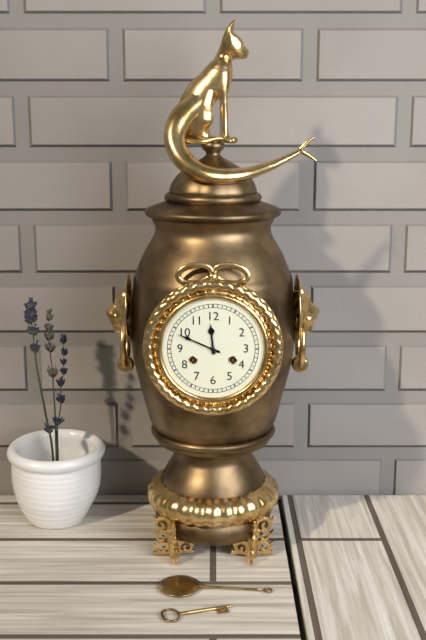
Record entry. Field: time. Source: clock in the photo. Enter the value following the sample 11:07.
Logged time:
11:49
